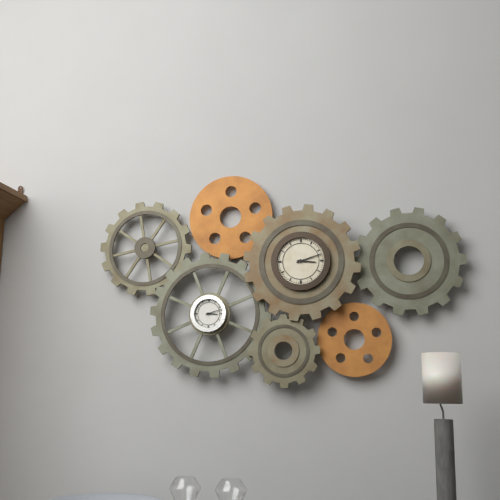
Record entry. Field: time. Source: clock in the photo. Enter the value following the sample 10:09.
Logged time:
3:12
